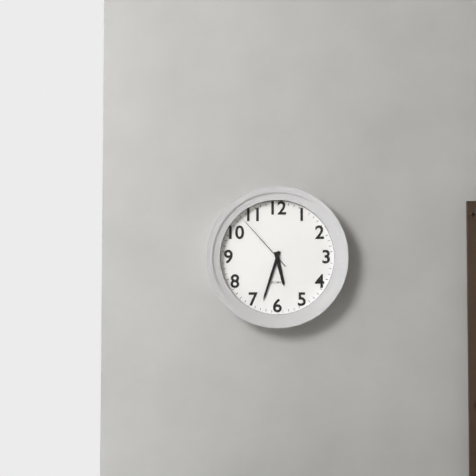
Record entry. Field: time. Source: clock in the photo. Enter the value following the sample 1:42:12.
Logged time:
5:33:53
